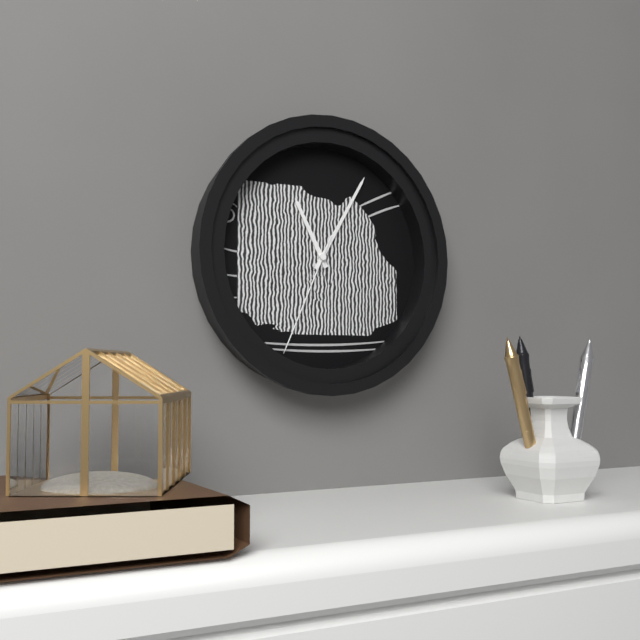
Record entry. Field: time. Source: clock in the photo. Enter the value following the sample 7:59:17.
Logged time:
11:05:34
